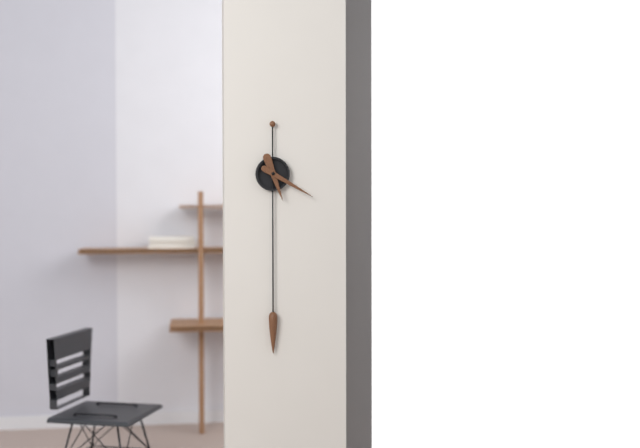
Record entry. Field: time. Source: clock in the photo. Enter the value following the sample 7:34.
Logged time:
5:20
